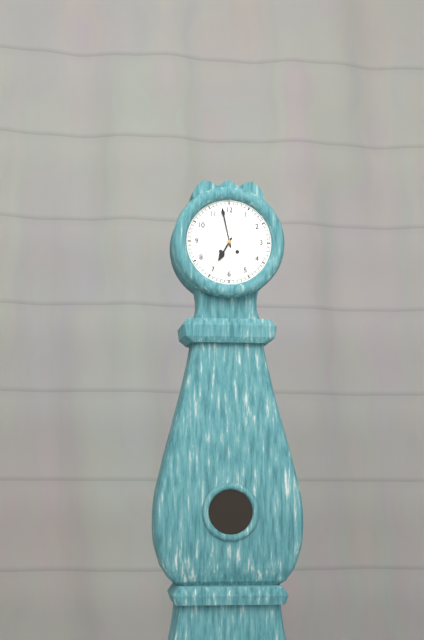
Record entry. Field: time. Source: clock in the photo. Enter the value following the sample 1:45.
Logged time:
6:58
